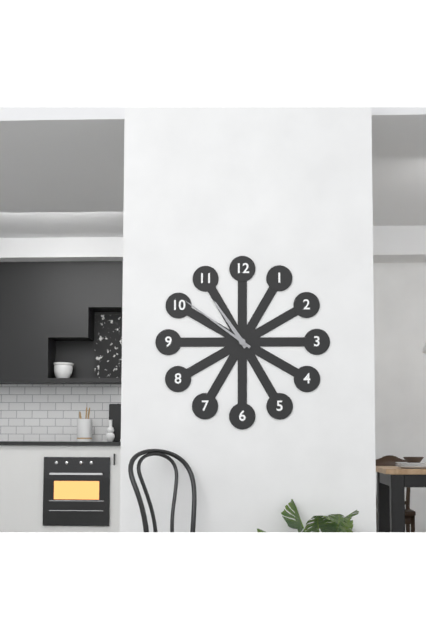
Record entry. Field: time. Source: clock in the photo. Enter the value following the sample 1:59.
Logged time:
10:51
